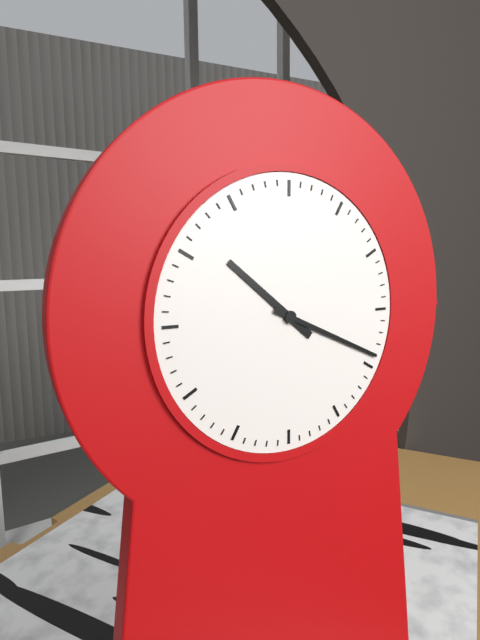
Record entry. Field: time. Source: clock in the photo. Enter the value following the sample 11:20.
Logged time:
10:19
